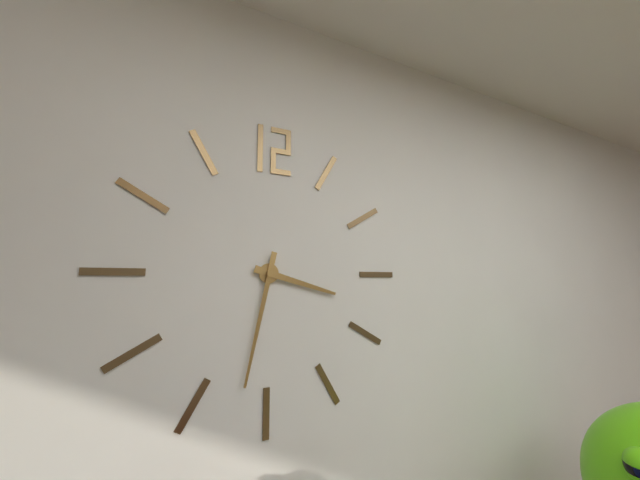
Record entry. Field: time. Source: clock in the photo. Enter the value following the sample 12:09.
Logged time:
3:32
